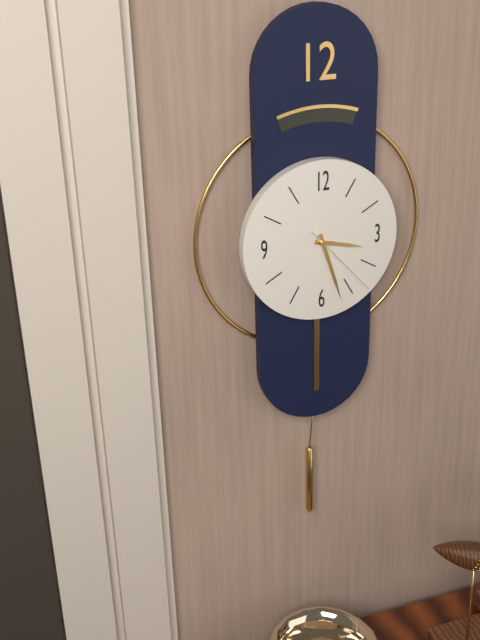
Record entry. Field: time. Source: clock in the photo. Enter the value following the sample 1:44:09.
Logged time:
3:27:23
